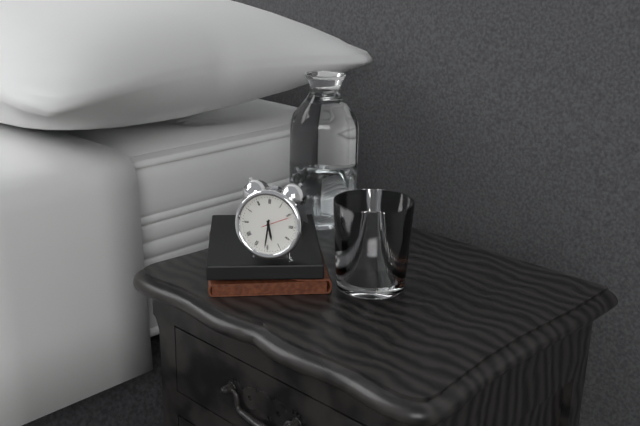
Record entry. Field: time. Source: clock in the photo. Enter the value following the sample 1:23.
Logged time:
5:31
